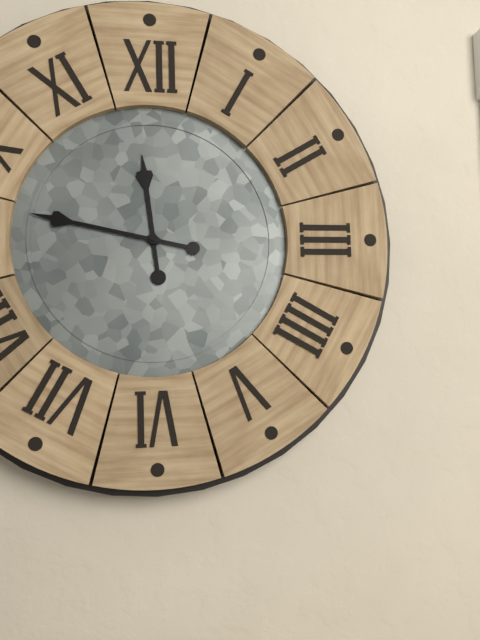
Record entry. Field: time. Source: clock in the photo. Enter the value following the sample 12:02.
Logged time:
11:47
